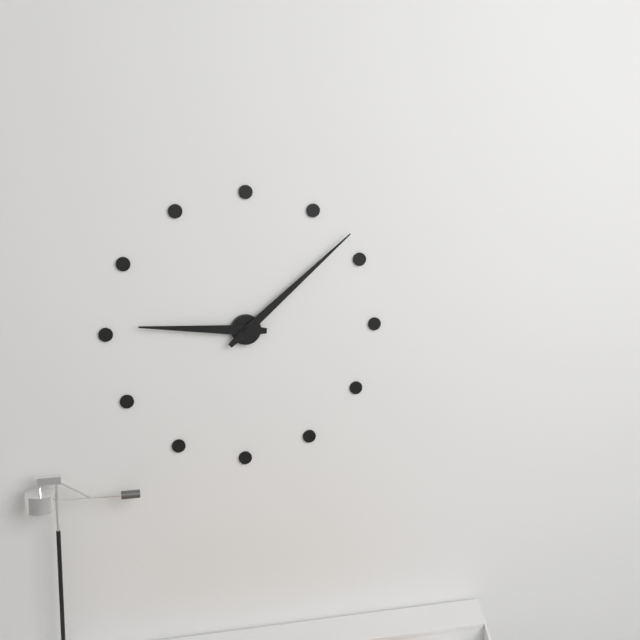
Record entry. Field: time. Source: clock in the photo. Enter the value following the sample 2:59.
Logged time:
9:08
